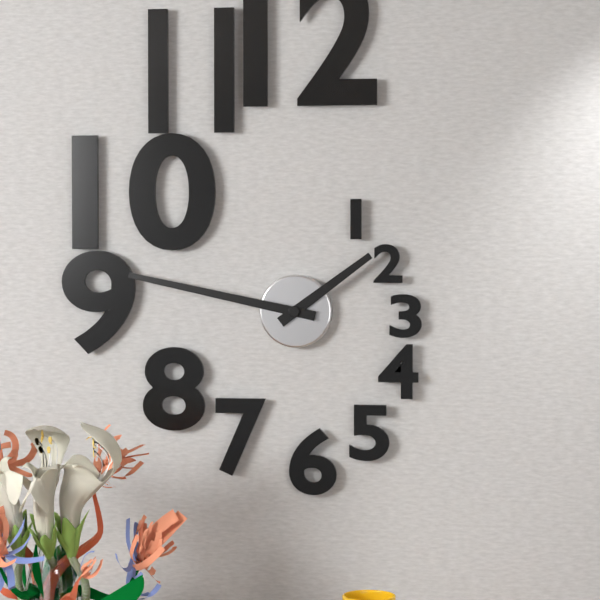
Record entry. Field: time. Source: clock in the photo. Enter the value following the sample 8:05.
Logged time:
1:47
